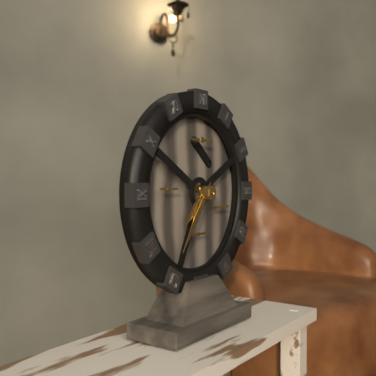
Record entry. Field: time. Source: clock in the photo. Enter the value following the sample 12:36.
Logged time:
7:36
